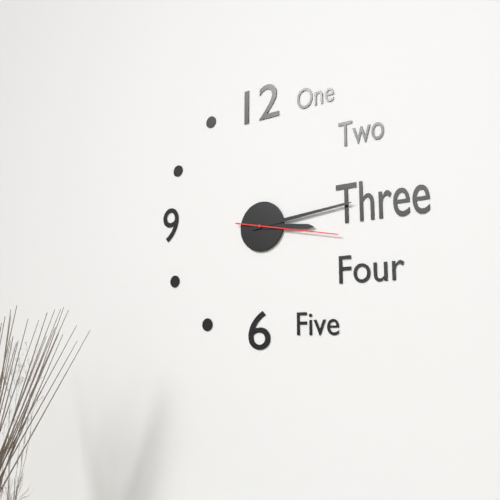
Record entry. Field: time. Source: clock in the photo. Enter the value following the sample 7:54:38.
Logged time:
3:14:17
